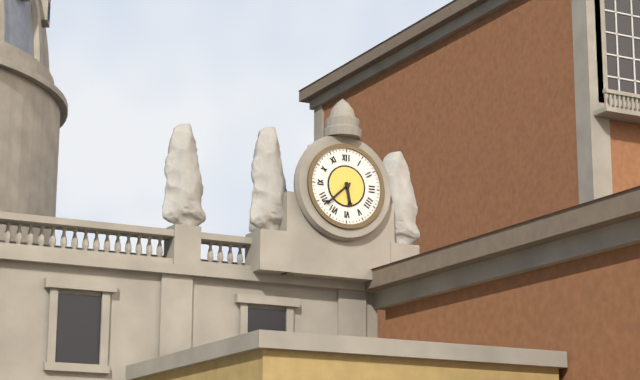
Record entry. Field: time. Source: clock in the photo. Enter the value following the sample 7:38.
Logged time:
5:38
